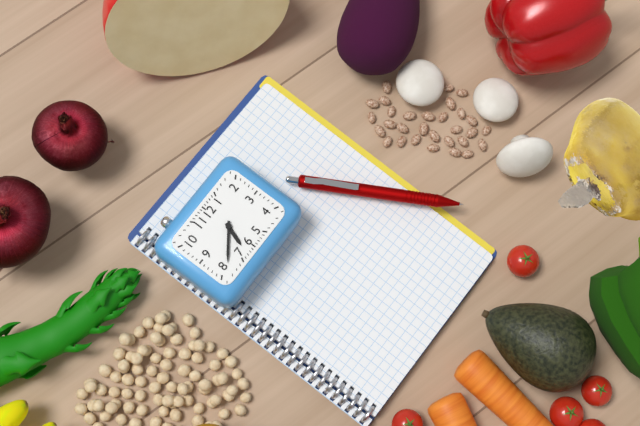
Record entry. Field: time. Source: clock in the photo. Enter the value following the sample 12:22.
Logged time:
6:39
